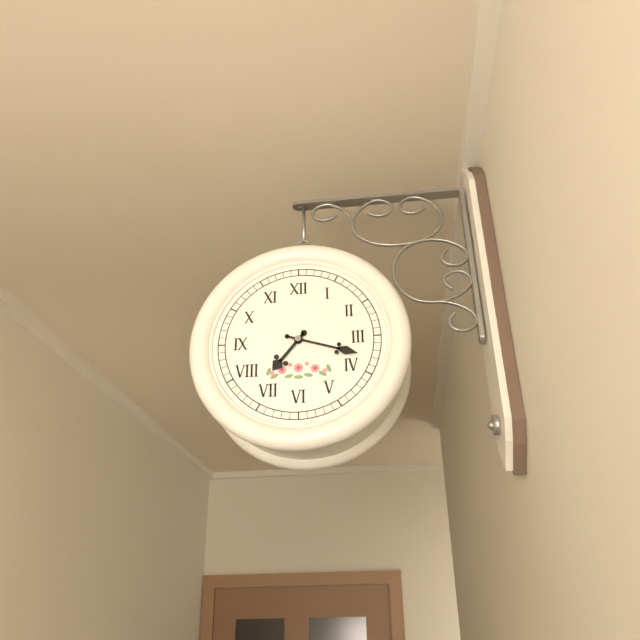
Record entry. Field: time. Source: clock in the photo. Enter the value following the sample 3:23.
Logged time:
7:18
